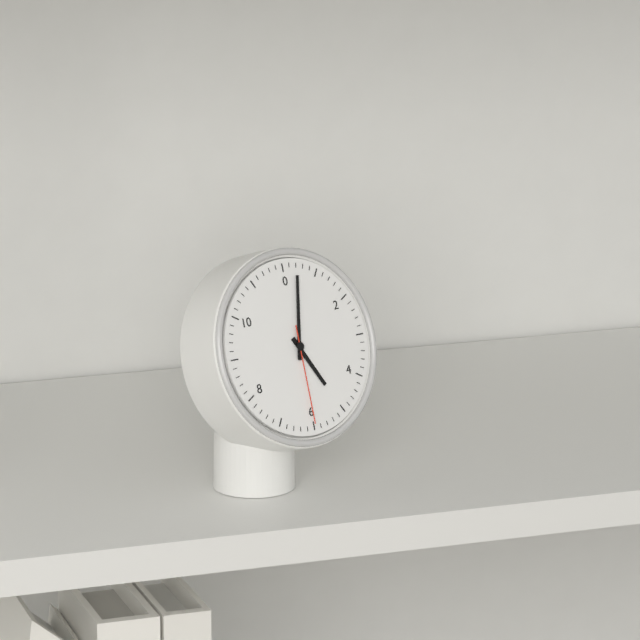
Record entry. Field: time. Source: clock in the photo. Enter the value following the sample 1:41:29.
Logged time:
5:02:30
